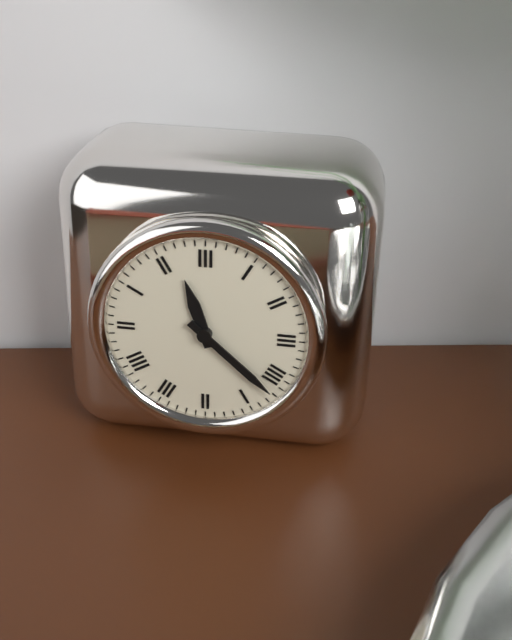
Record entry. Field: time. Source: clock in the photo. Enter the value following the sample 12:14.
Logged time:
11:22
